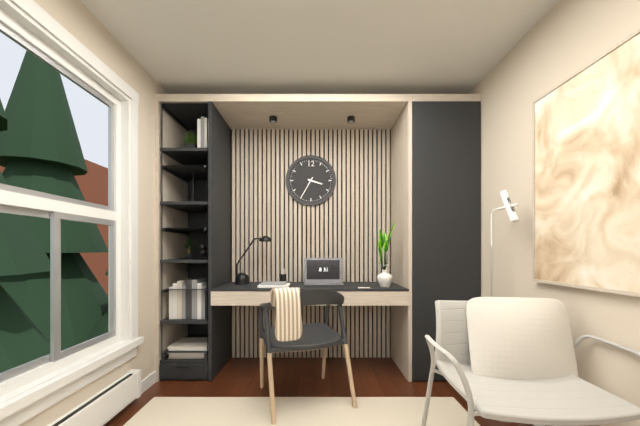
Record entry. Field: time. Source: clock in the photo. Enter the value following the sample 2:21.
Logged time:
3:35
